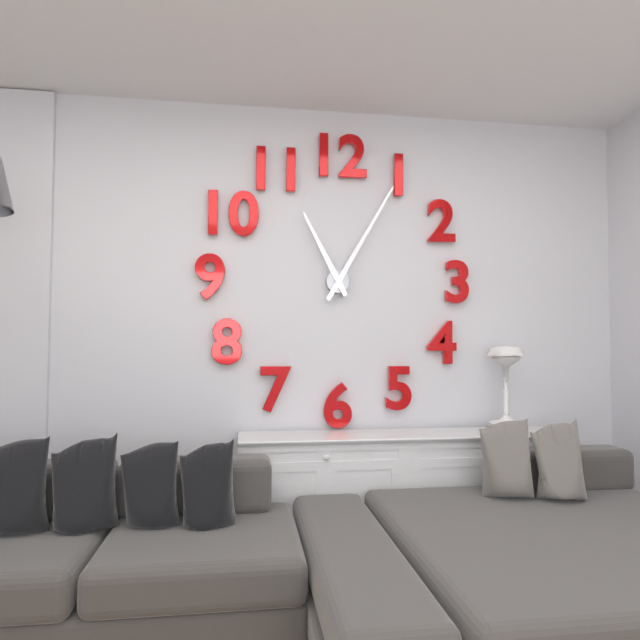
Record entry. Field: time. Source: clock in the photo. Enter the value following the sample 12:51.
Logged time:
11:05
